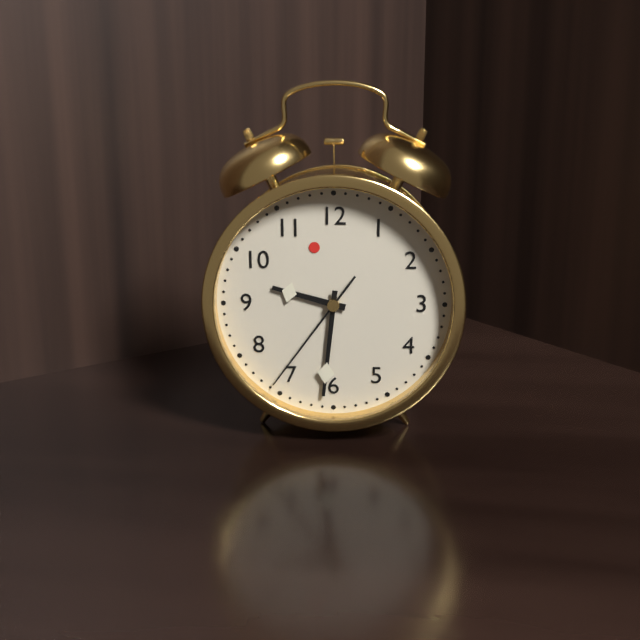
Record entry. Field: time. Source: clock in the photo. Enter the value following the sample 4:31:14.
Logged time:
9:31:36
